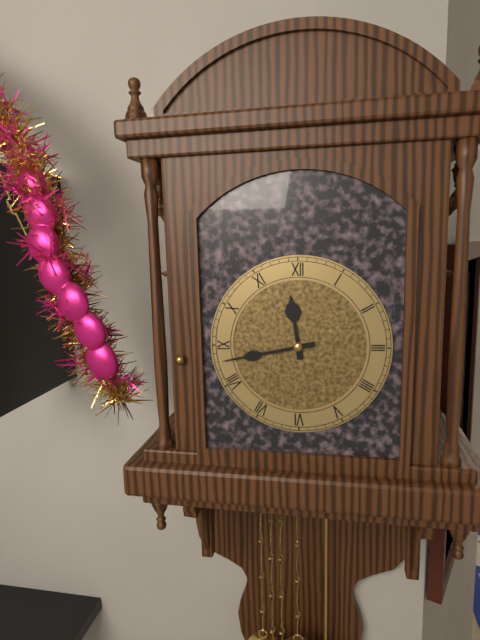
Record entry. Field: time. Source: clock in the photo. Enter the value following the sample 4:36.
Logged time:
11:43
